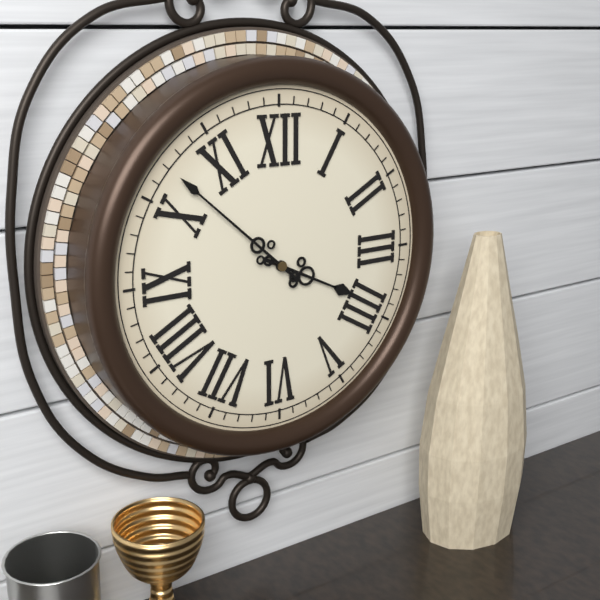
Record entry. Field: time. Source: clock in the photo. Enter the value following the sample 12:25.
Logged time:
3:52
